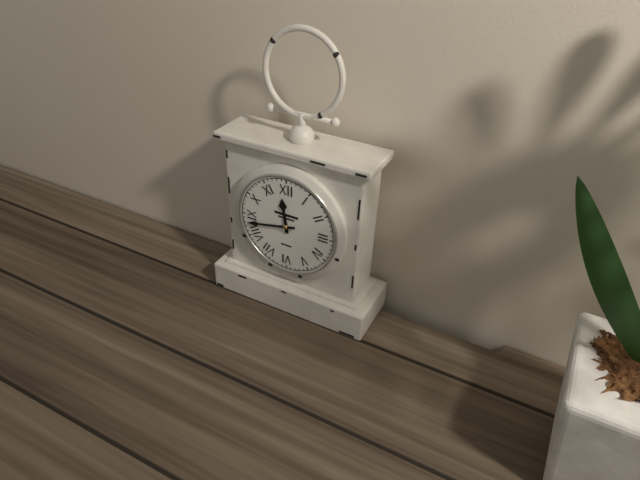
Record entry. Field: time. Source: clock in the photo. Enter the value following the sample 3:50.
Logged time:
11:43
